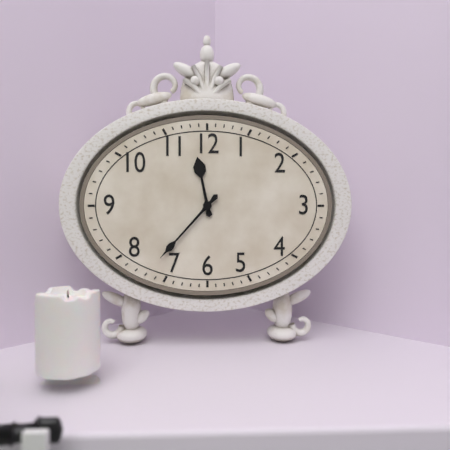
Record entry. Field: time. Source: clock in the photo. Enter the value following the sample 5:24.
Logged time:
11:37
